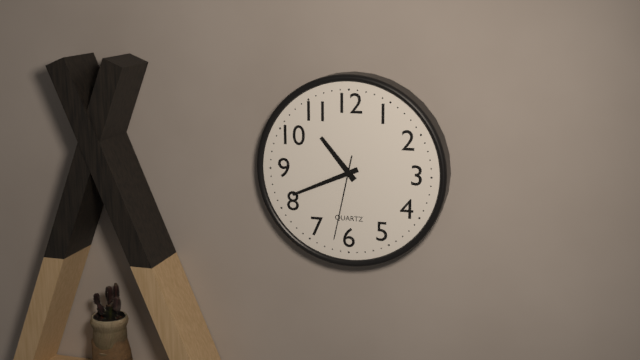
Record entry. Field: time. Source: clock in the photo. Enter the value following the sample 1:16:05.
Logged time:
10:41:32
